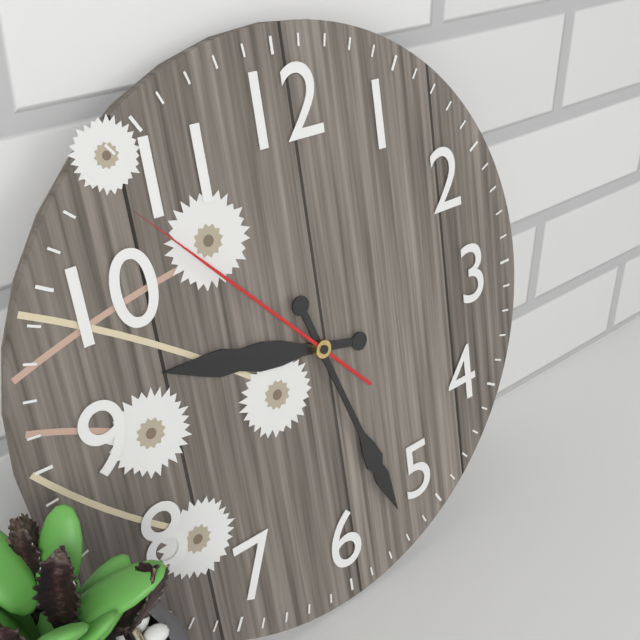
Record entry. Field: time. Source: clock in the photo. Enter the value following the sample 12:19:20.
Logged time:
9:27:53
